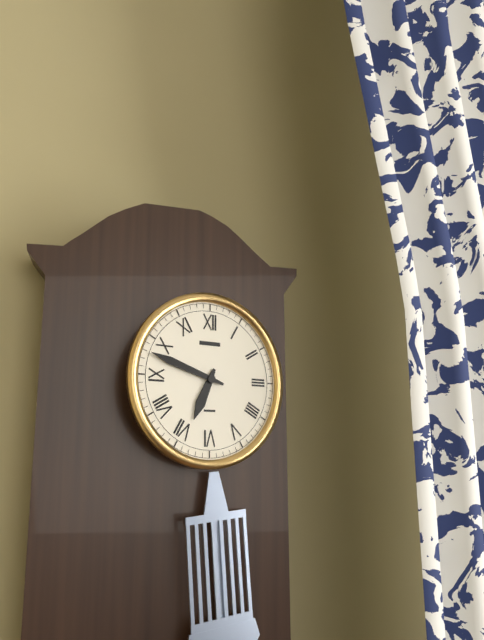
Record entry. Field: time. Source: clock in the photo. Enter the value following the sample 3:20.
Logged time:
6:48
